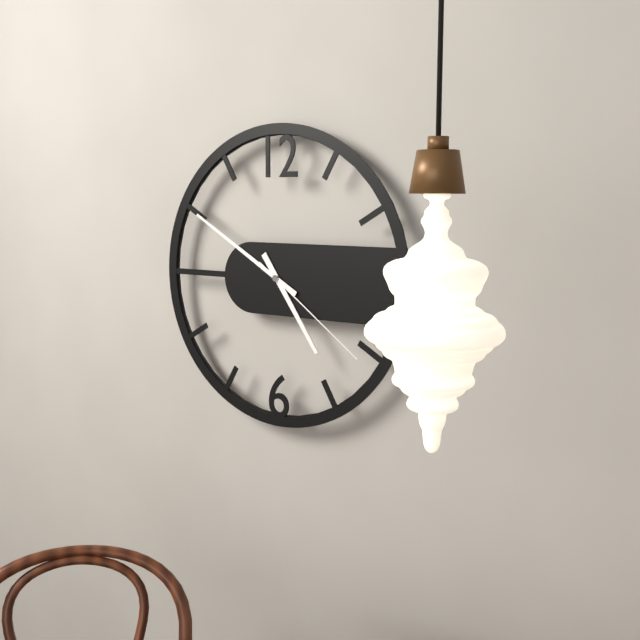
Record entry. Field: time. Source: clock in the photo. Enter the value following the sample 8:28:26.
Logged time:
4:50:21
